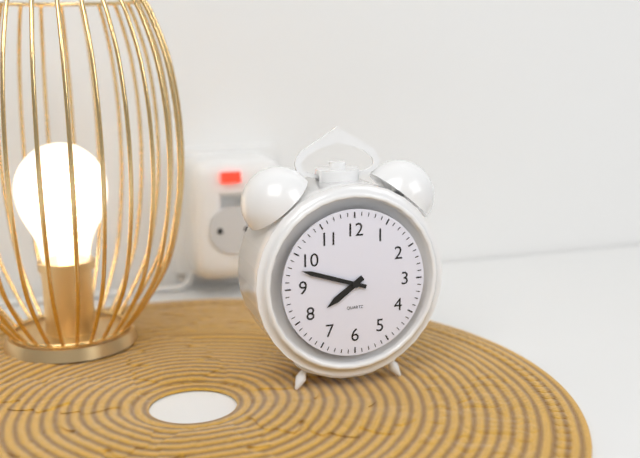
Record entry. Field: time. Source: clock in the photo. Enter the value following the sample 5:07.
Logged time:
7:48
